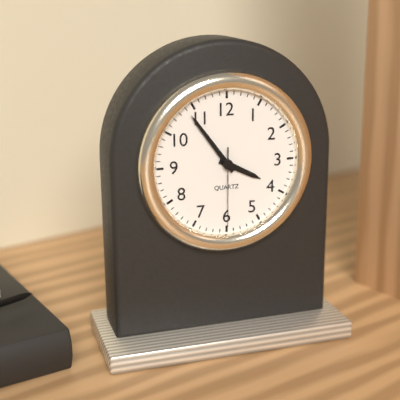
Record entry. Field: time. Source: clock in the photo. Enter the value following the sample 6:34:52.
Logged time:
3:54:30
